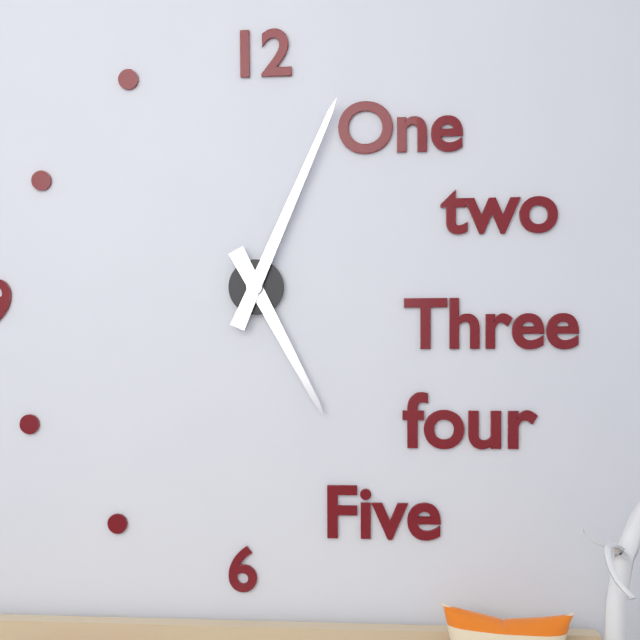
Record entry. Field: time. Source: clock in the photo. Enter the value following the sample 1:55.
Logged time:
5:04
